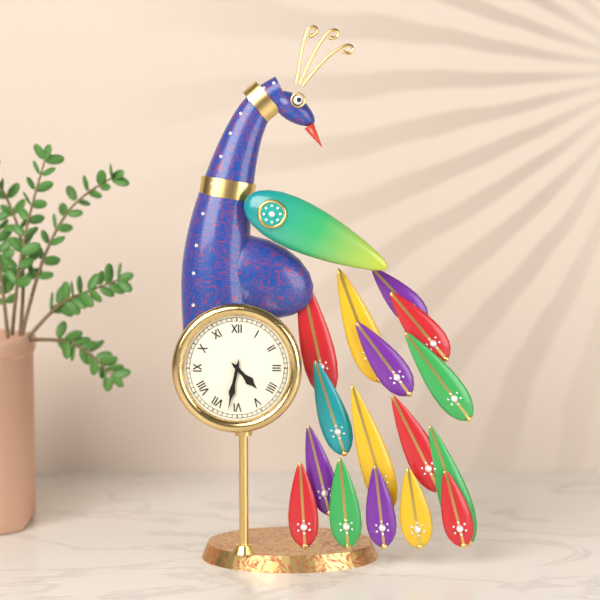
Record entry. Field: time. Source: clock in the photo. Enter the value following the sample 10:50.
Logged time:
4:32
